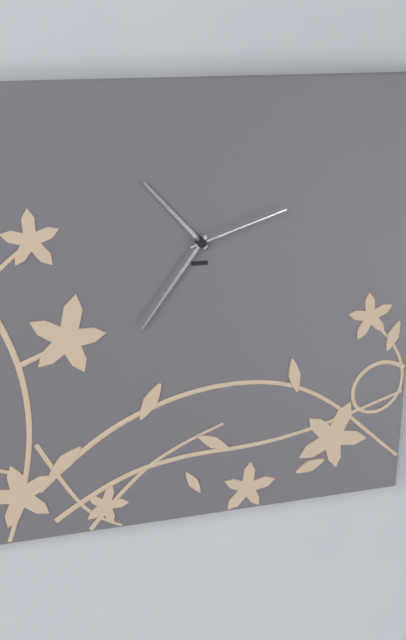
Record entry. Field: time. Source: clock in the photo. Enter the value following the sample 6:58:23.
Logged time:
10:36:12
